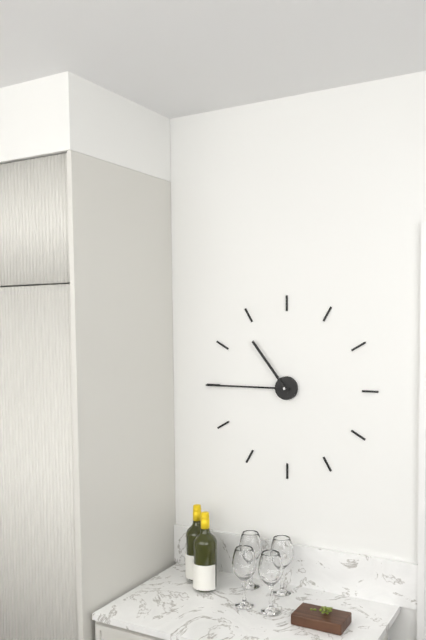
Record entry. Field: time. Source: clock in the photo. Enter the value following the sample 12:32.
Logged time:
10:45
